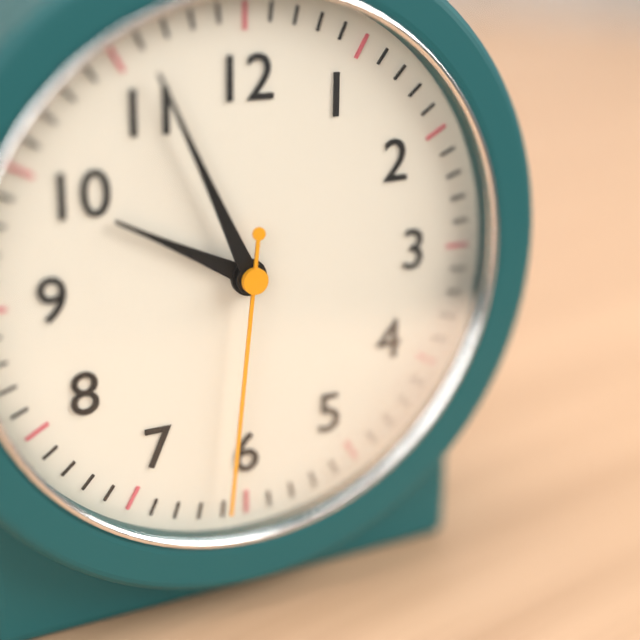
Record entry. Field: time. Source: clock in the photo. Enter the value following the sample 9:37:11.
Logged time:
9:56:31
